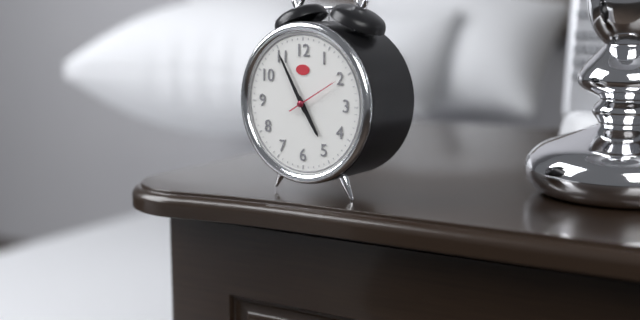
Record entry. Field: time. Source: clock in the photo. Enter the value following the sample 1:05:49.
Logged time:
4:55:10
